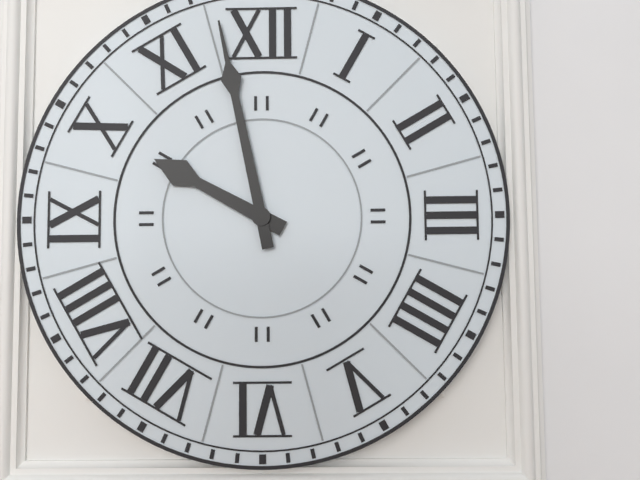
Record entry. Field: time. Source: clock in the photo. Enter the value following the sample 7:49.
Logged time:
9:58
